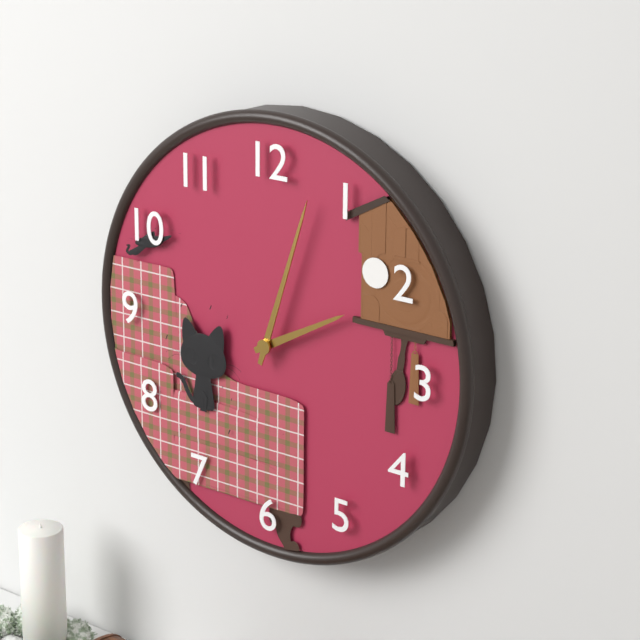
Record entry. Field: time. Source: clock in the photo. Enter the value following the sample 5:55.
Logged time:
2:03
